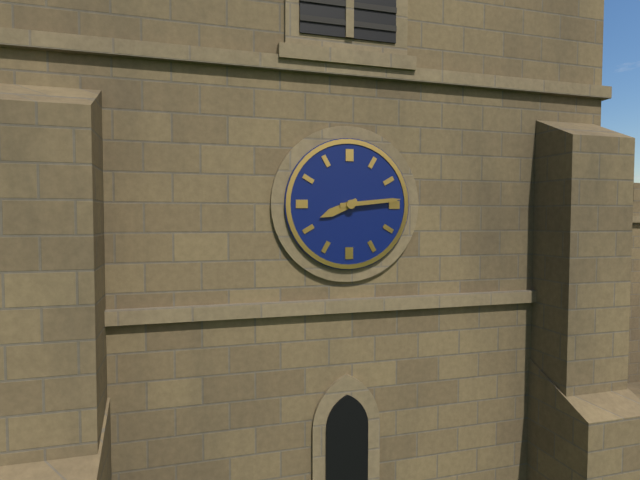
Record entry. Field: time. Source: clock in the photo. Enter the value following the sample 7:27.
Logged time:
8:14
